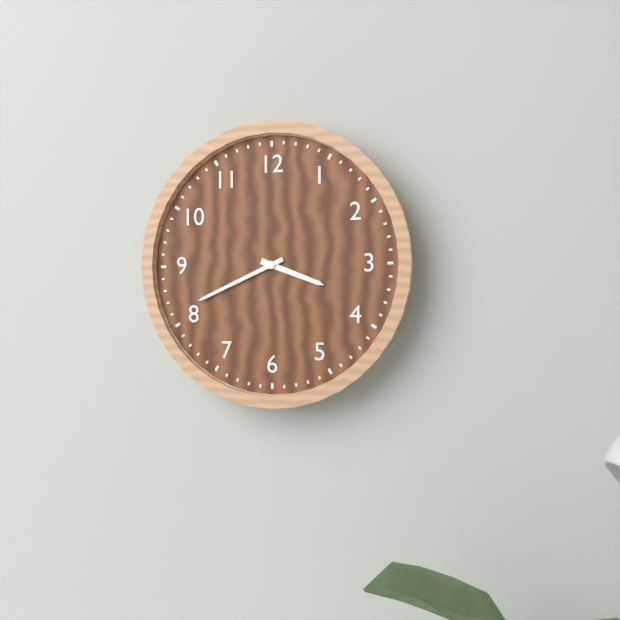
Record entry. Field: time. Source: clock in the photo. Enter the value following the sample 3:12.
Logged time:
3:41
